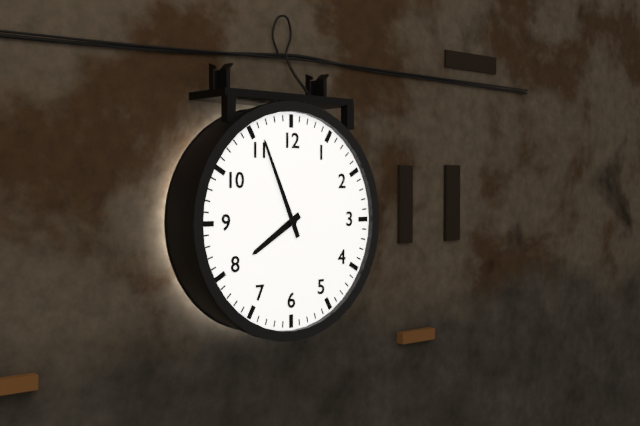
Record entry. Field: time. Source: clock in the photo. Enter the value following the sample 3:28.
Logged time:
7:56
